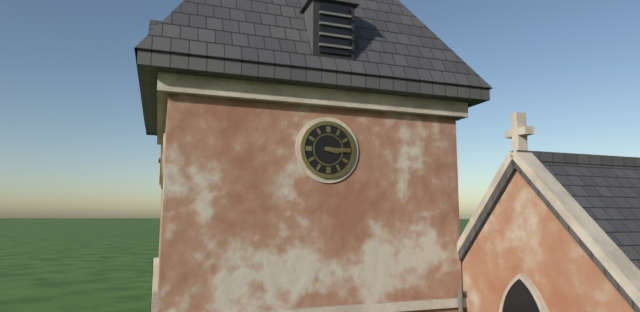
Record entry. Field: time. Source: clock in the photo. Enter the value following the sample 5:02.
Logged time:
3:15
